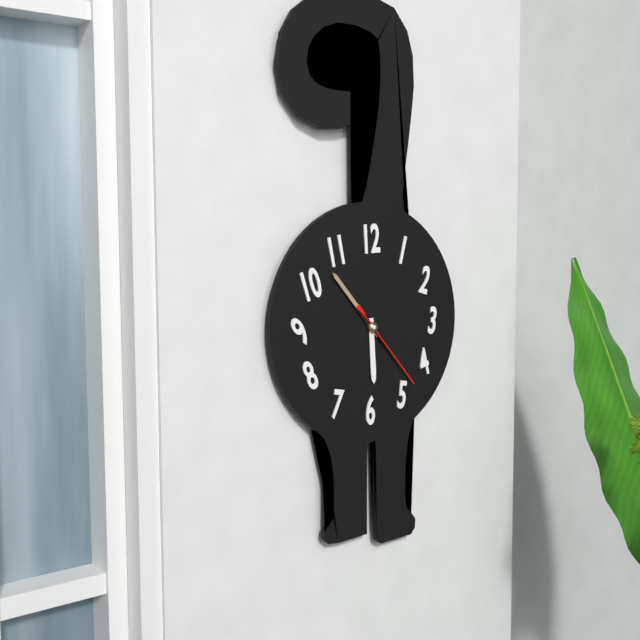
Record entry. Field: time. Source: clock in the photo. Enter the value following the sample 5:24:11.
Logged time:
5:53:23
